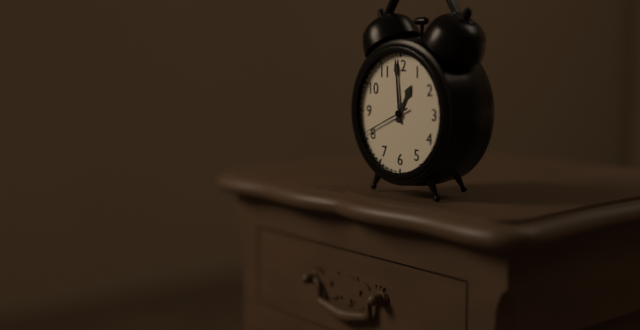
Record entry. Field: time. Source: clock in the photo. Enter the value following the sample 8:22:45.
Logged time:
12:59:41
